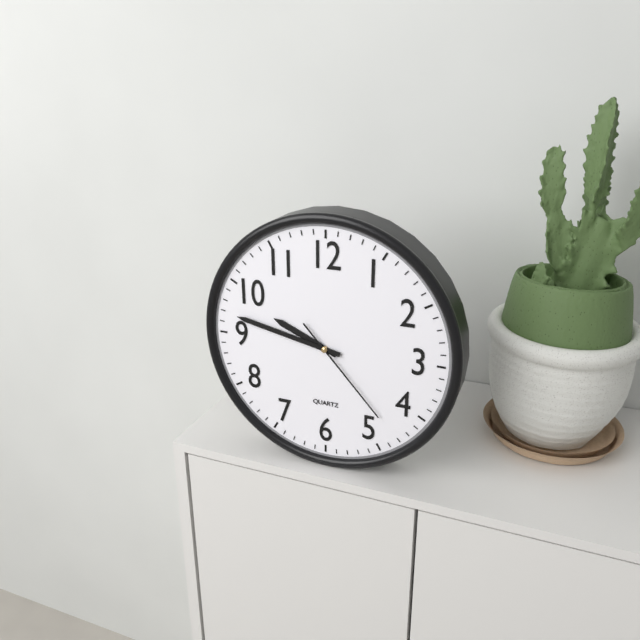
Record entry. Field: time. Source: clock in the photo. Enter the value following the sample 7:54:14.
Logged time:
9:47:23
